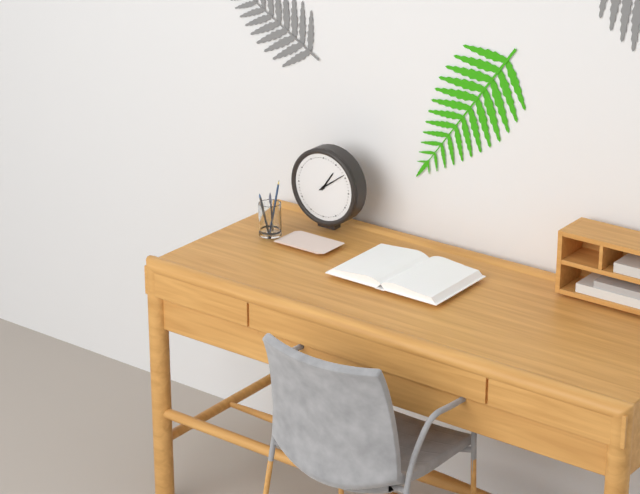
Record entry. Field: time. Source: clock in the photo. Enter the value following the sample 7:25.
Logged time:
1:09
